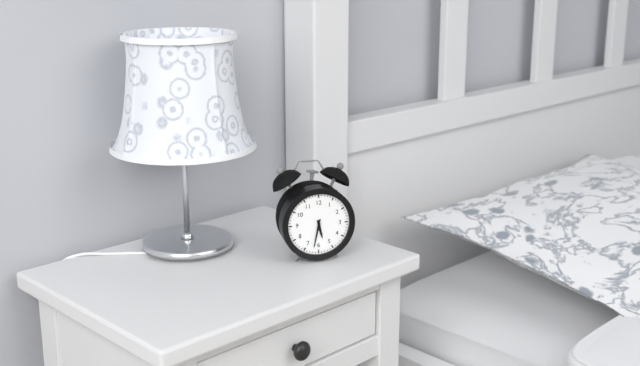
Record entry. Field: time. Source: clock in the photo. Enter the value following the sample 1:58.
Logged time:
5:32
